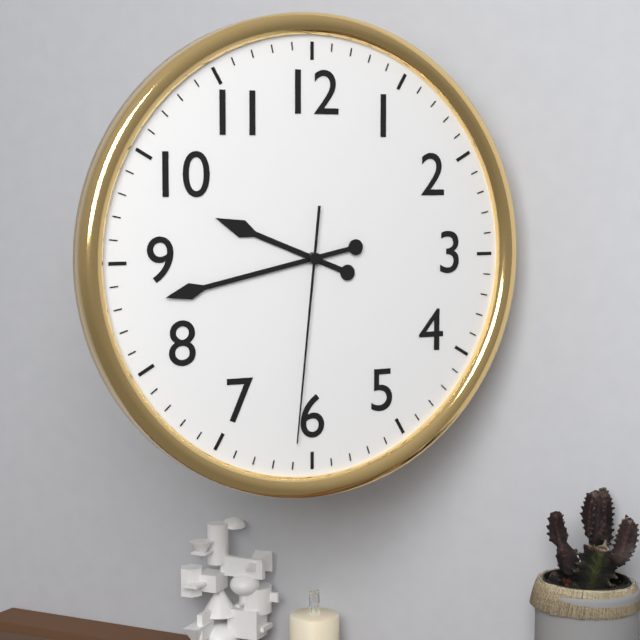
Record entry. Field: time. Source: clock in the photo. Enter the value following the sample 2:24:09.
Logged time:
9:43:31
